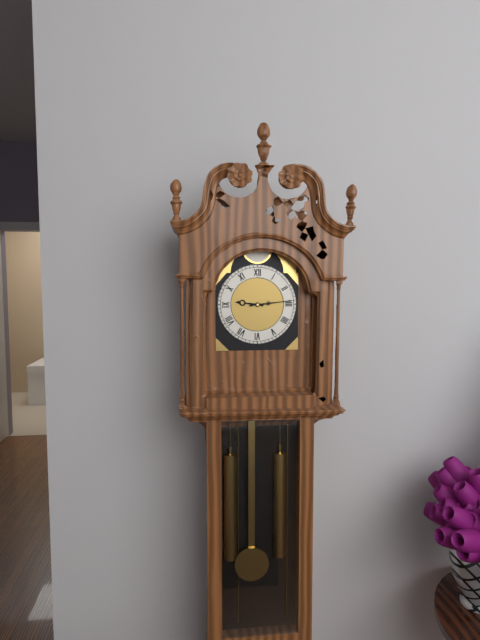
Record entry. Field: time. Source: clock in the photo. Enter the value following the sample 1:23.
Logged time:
9:14
